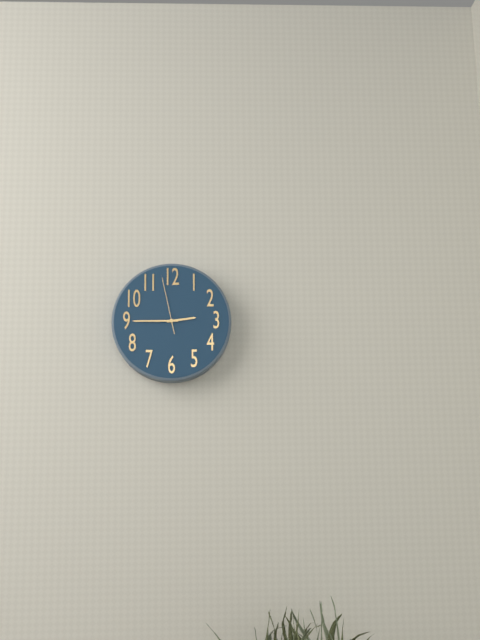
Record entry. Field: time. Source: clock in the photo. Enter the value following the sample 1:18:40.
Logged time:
2:45:58
